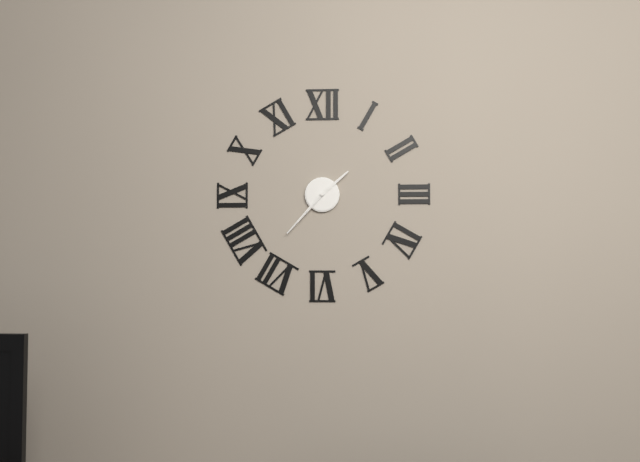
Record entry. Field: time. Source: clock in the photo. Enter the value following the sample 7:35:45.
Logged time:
1:37:37
